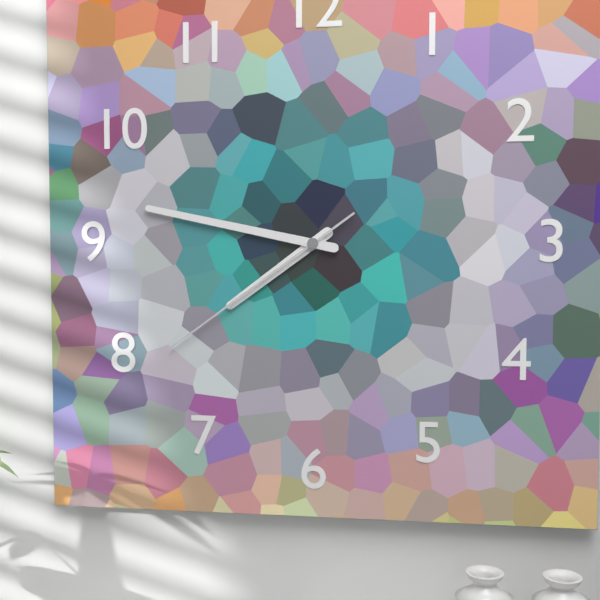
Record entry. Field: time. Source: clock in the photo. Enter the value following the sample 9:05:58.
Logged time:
7:47:39
